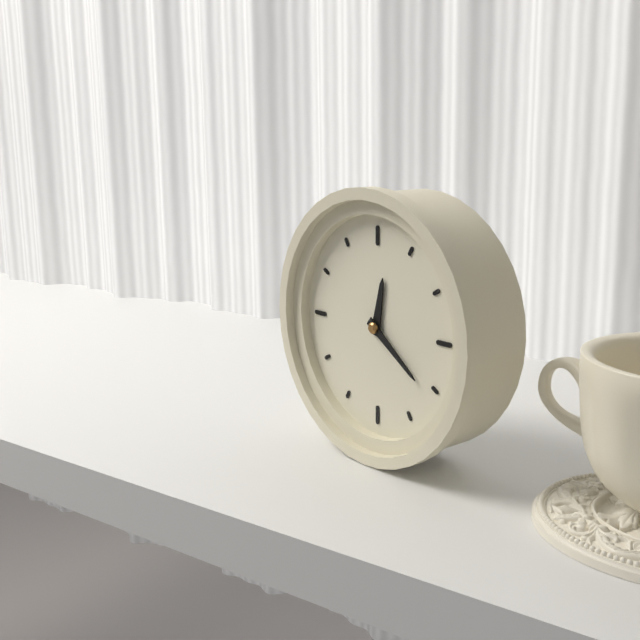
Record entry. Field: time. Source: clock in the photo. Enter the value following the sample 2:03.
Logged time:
12:21
